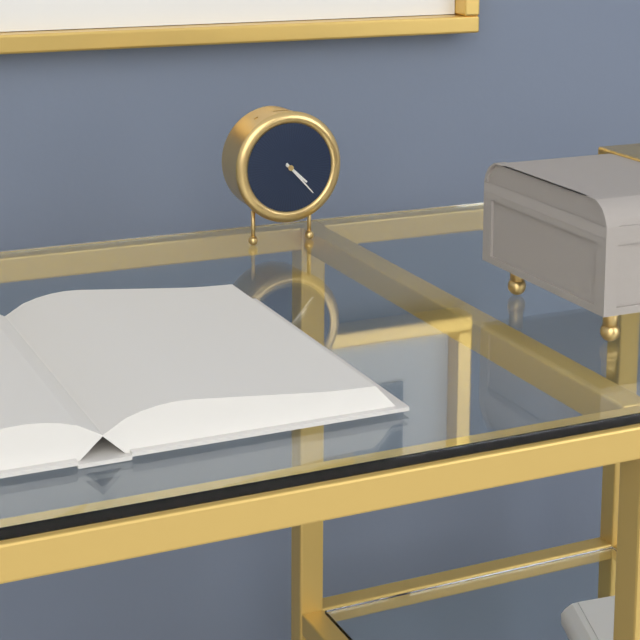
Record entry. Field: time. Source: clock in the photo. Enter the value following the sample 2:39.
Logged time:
4:23
